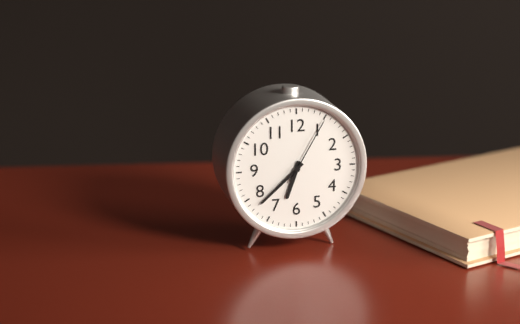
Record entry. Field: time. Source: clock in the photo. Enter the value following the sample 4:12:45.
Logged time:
6:38:05
